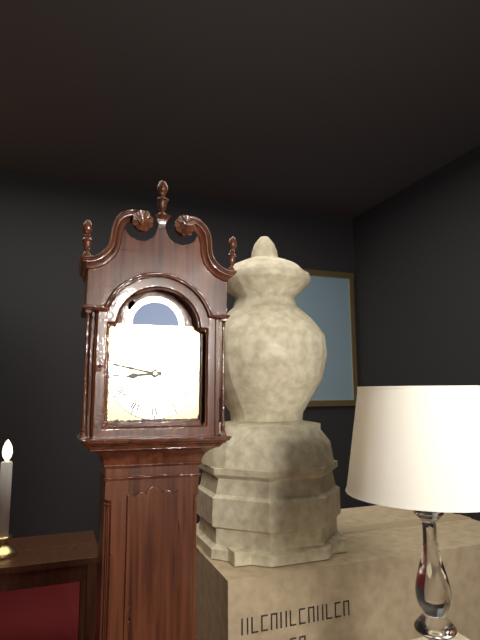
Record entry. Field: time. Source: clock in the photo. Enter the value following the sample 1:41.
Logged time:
8:47
